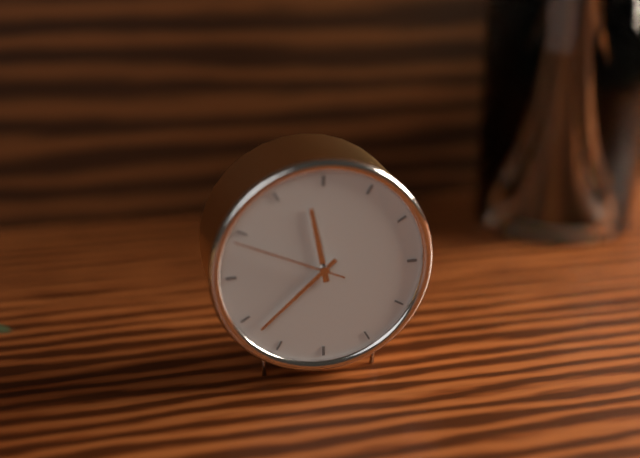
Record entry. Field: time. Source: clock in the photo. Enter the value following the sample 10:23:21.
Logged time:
11:38:49
